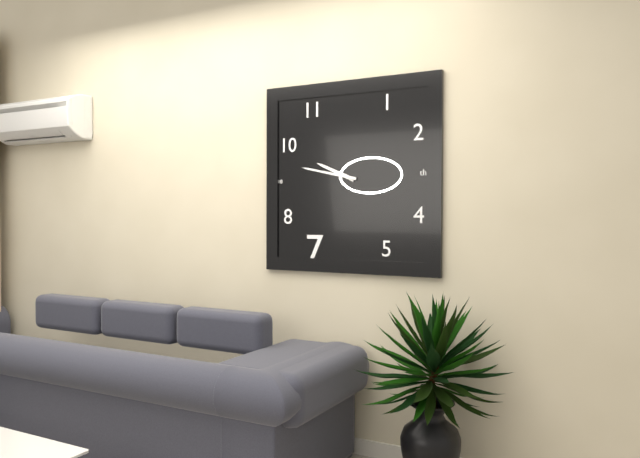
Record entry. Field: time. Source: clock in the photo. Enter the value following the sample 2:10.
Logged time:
9:47
